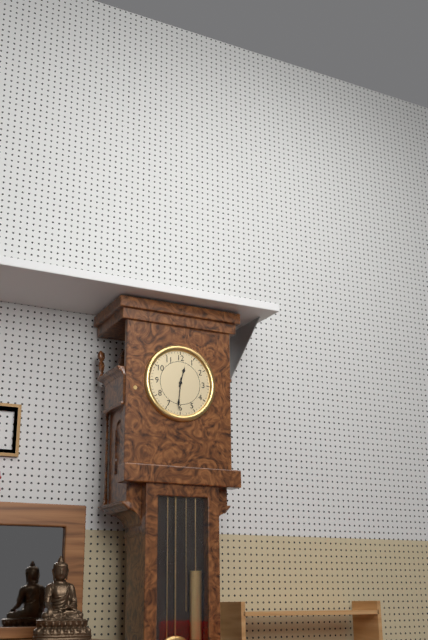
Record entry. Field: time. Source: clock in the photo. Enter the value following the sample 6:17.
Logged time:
12:31
